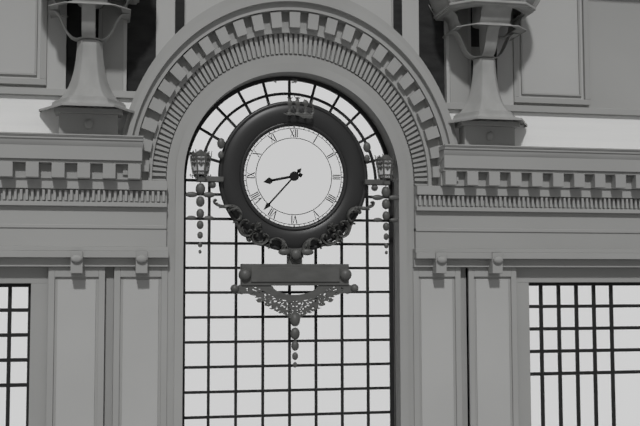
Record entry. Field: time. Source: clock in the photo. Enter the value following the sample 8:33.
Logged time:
8:37
